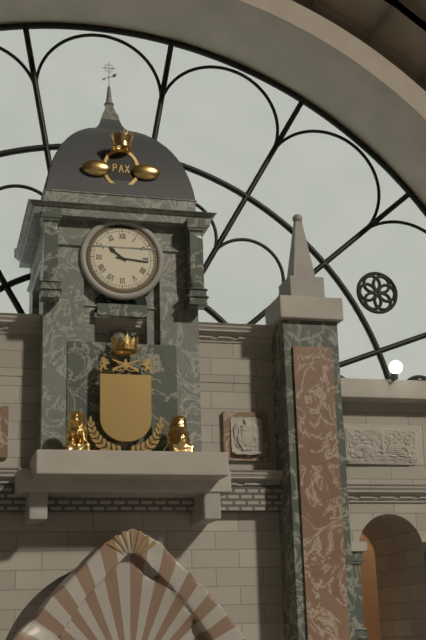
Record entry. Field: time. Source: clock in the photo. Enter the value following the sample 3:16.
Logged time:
10:16
